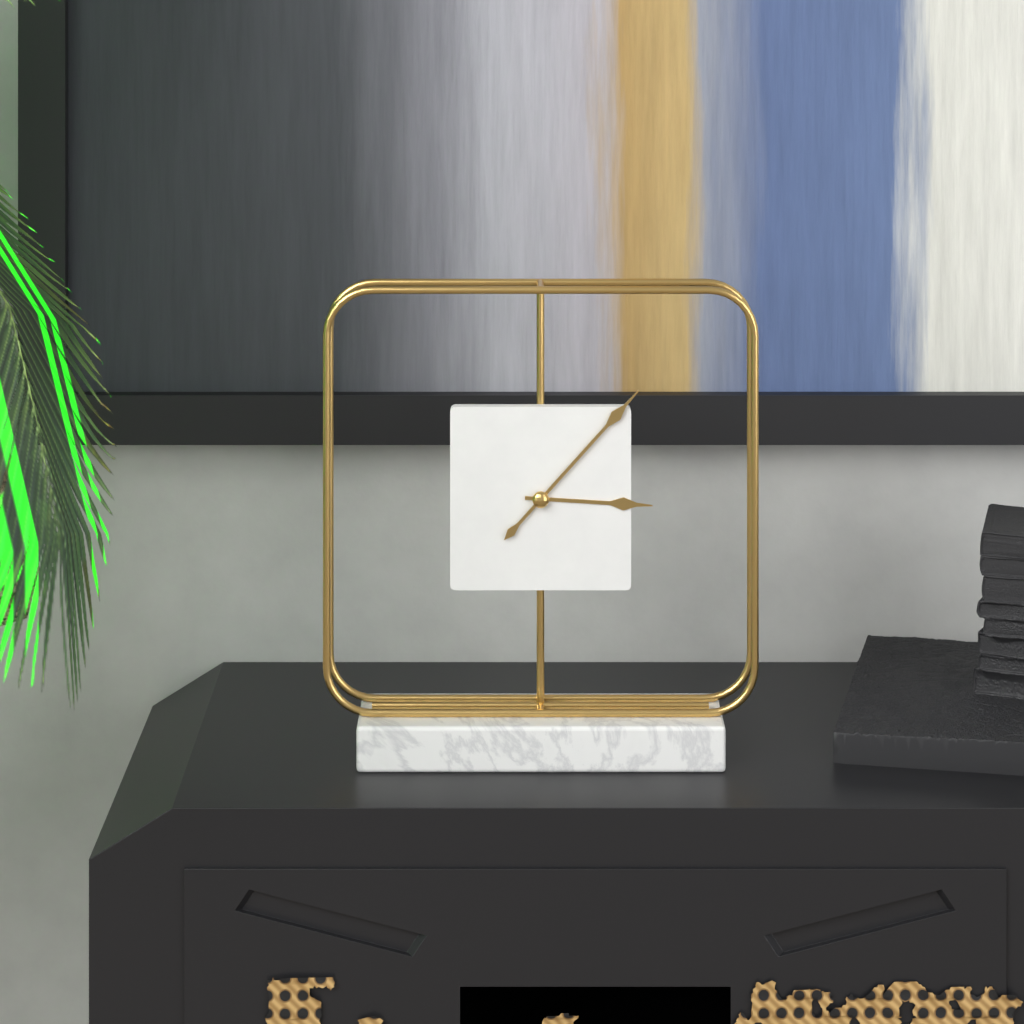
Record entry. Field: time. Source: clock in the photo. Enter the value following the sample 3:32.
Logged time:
3:07
